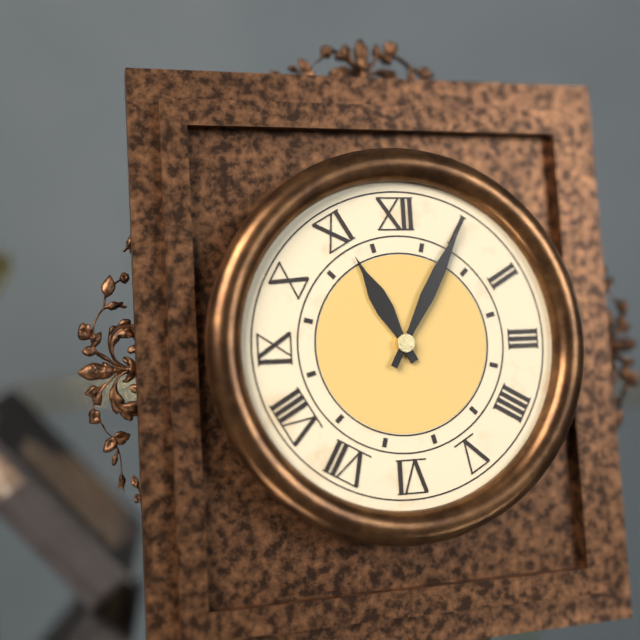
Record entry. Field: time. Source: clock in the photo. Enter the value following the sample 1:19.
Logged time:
11:05
